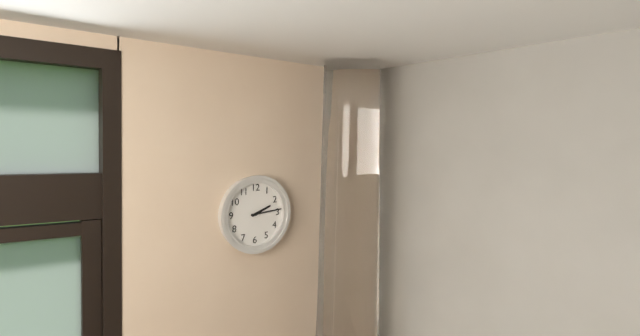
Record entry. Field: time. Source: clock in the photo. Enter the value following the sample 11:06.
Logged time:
2:14
